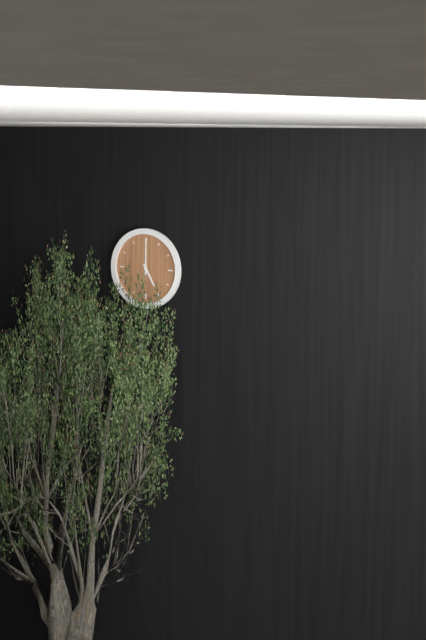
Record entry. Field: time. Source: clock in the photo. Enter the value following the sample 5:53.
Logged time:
5:00
